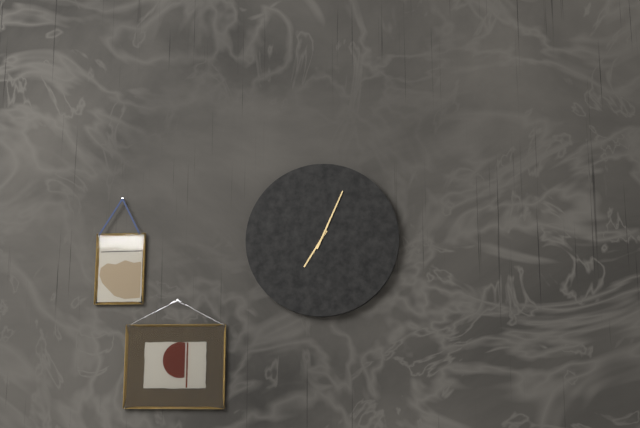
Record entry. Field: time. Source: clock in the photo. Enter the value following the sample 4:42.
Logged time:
7:04
